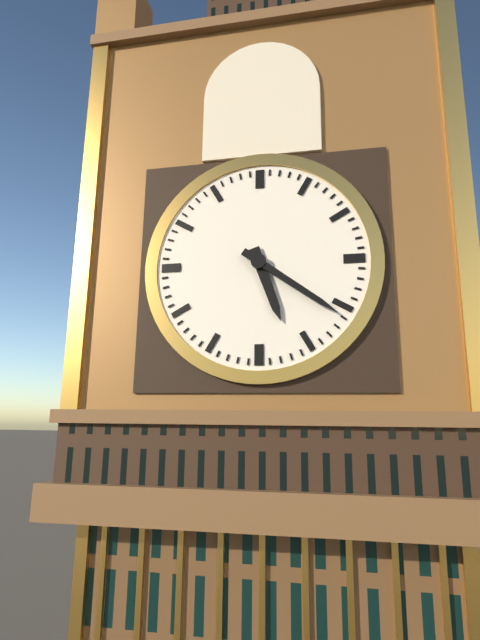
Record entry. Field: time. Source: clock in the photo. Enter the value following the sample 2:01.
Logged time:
5:21
